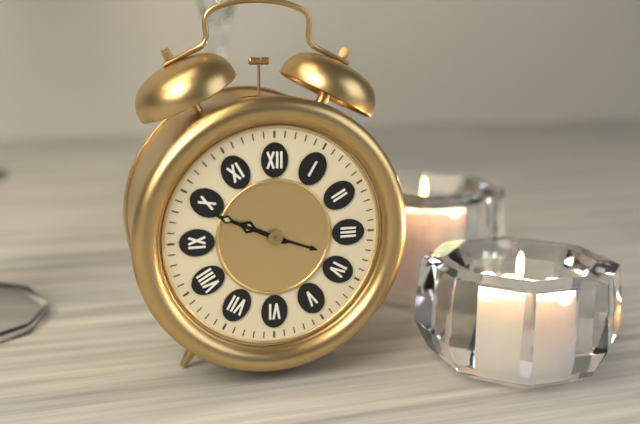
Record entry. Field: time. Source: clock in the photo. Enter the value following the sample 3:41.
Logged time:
9:49
